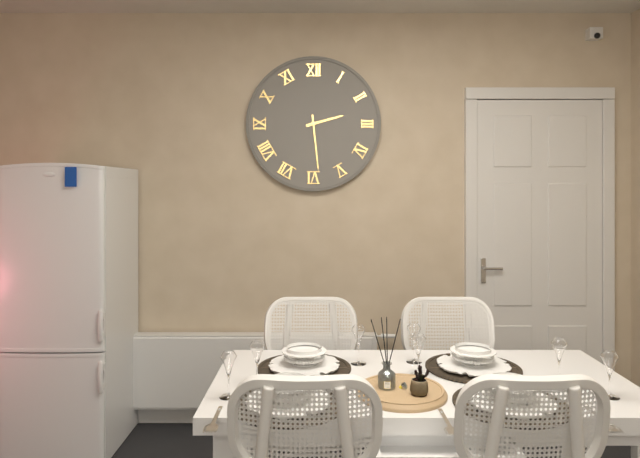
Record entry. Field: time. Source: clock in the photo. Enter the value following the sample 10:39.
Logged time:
2:29
